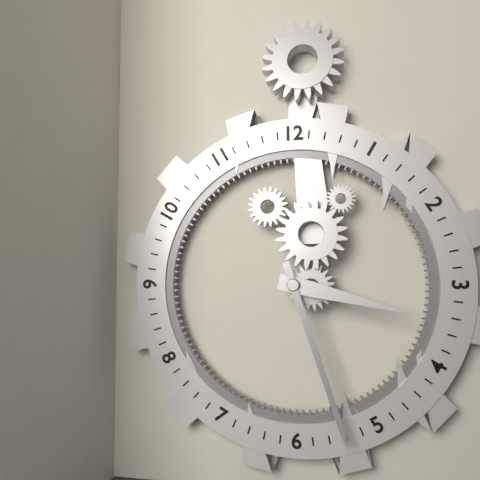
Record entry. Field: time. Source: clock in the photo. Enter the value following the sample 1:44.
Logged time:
3:27
